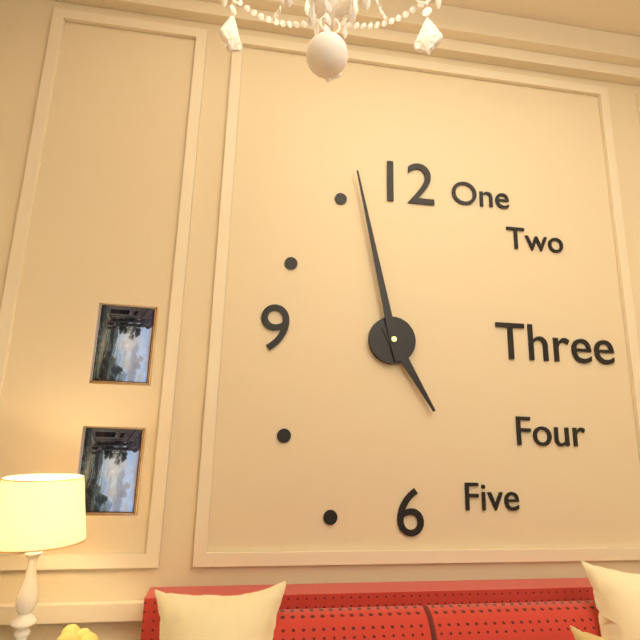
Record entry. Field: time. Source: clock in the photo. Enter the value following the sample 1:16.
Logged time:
4:58
